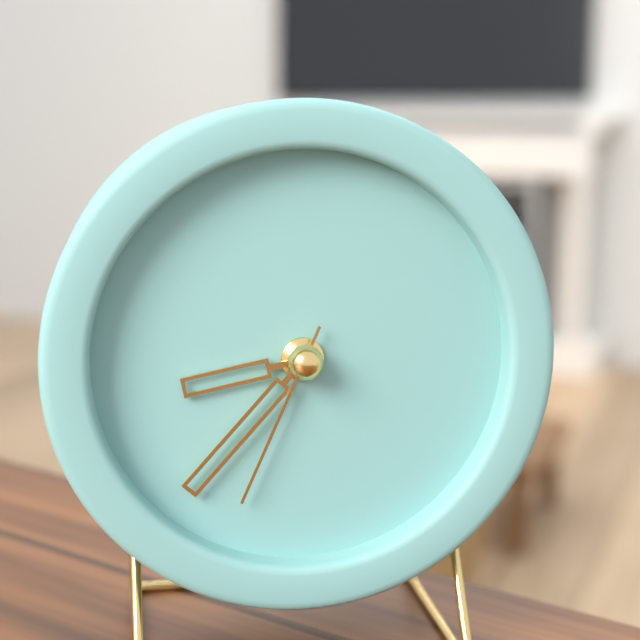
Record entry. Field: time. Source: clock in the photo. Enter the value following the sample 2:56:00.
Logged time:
8:37:34
